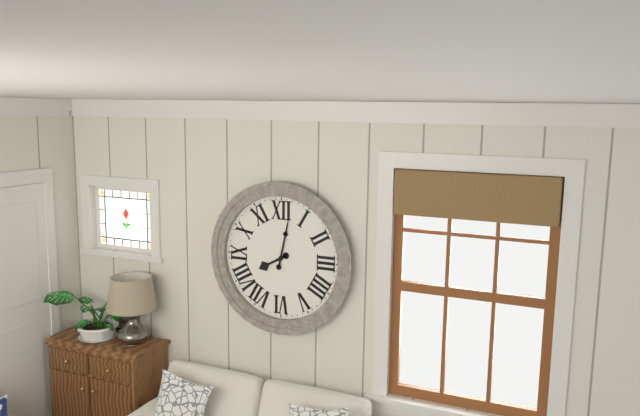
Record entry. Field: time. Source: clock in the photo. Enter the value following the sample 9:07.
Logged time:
8:02
